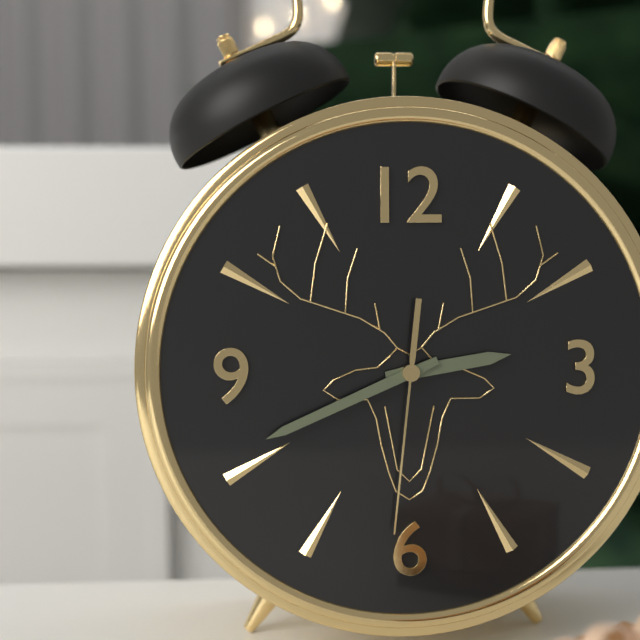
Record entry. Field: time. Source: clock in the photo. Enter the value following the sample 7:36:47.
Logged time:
2:41:31
